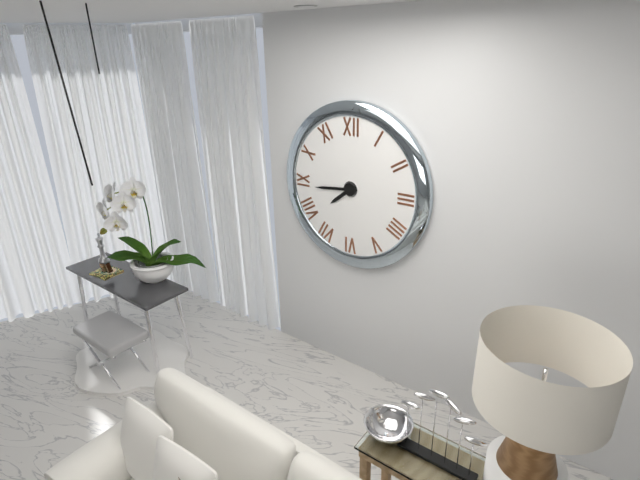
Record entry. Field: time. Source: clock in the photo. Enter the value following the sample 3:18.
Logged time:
7:44
